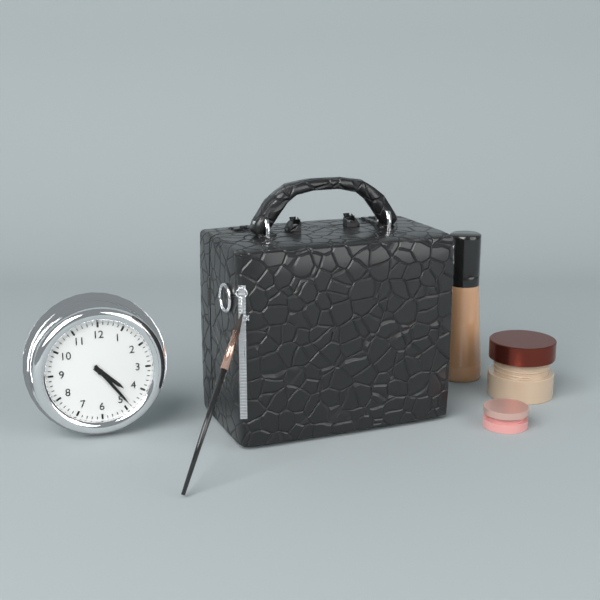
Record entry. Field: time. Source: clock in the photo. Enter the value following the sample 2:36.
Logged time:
4:24
